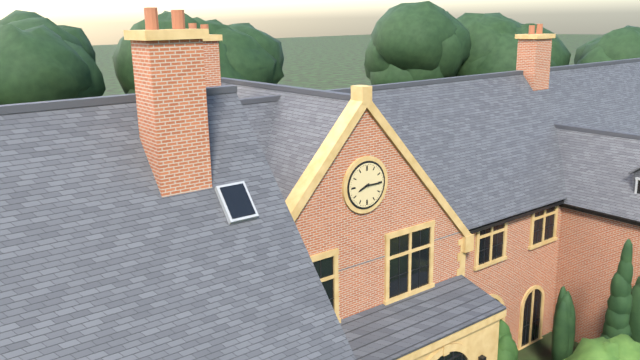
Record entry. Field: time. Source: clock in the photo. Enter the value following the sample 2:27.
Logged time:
8:15
